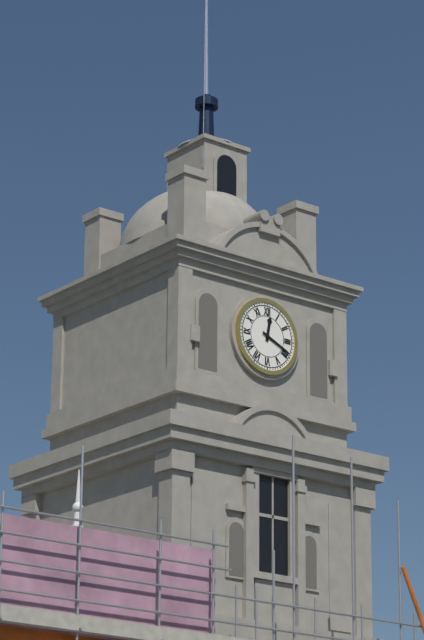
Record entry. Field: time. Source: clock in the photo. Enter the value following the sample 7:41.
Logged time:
12:19
